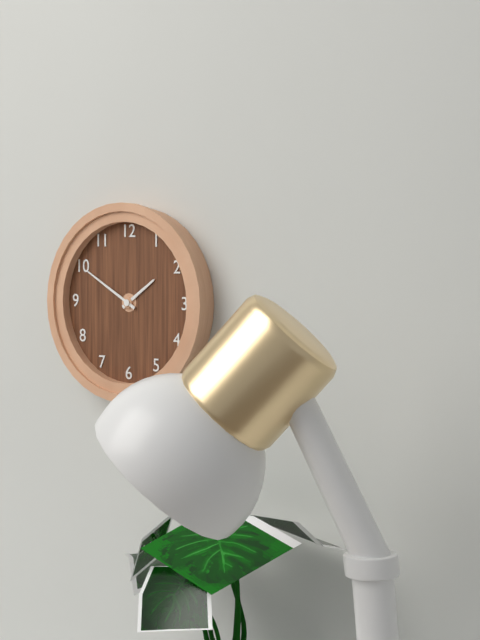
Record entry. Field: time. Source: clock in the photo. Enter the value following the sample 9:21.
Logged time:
1:50
